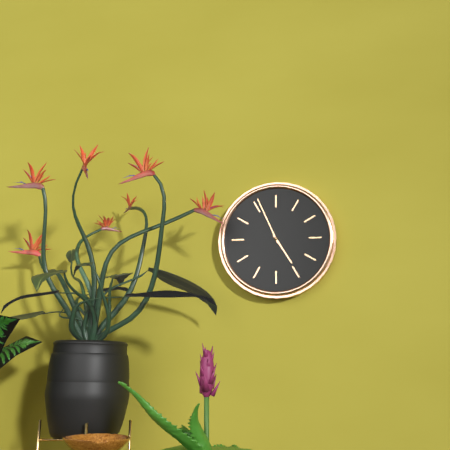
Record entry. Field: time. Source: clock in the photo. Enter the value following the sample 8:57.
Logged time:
4:56
